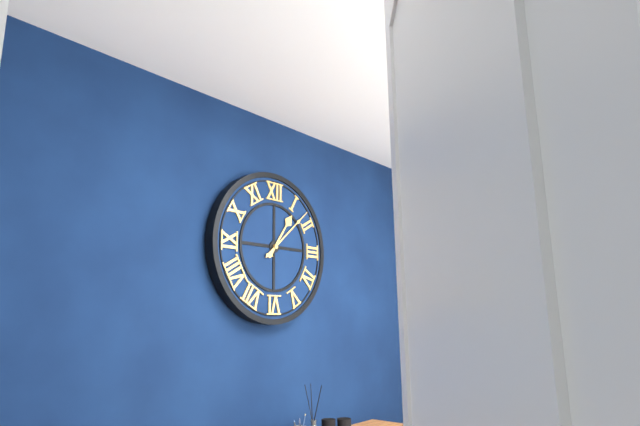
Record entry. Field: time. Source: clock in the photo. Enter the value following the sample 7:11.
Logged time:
1:08
